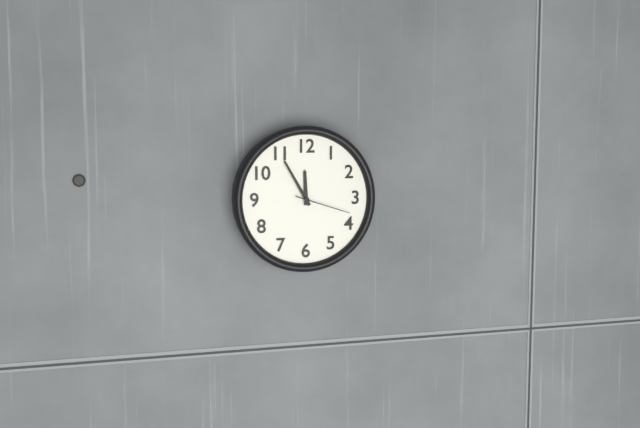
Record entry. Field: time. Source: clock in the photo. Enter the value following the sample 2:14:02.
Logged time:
11:55:18
